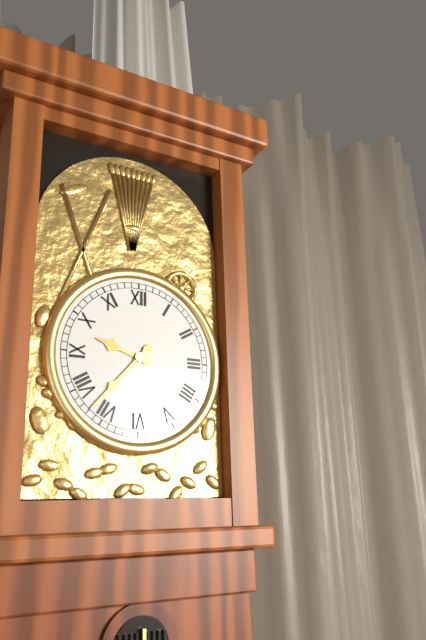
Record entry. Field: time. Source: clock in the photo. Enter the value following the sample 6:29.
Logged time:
9:37
